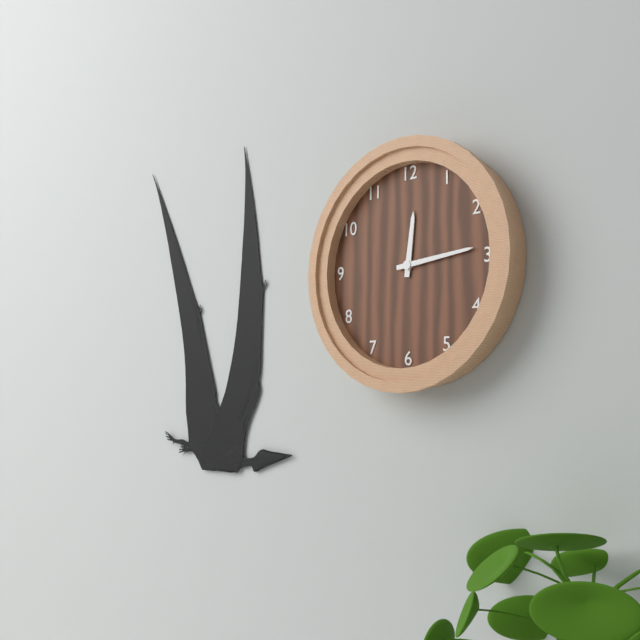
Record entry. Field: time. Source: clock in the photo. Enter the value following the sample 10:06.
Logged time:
12:14
